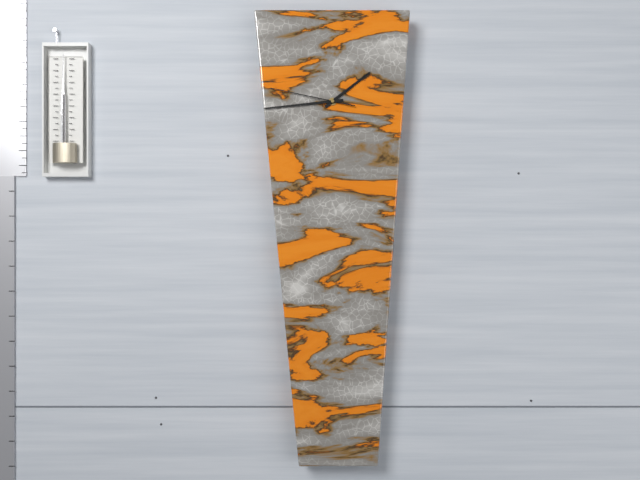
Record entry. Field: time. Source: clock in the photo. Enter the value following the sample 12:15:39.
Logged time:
1:44:47
